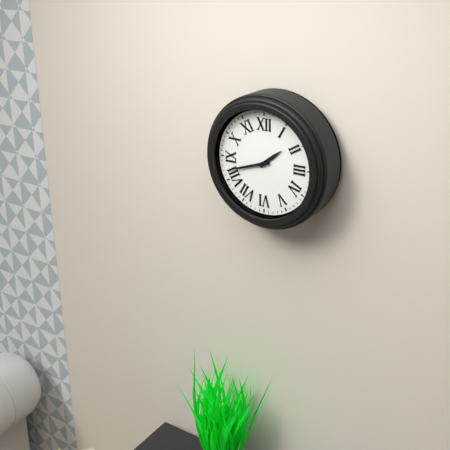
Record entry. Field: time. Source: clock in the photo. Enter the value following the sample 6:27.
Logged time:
1:42
